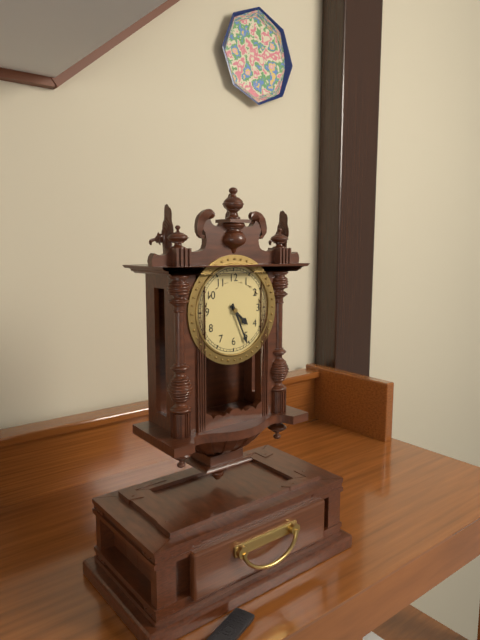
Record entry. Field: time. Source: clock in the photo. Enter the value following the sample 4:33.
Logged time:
4:26
